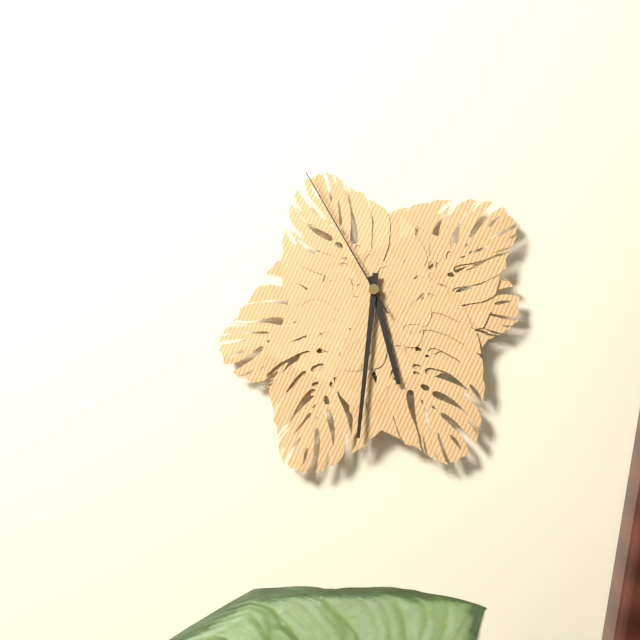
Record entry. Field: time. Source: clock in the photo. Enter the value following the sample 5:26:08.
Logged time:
5:31:55
